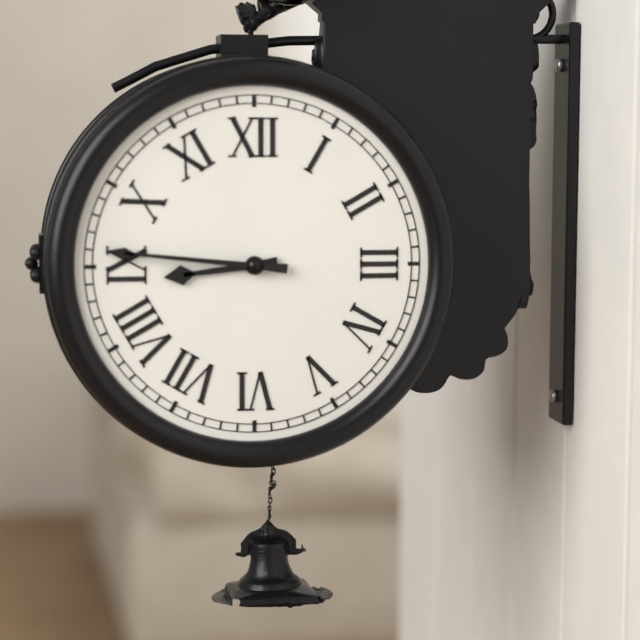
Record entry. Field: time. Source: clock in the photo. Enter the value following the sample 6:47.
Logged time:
8:46
